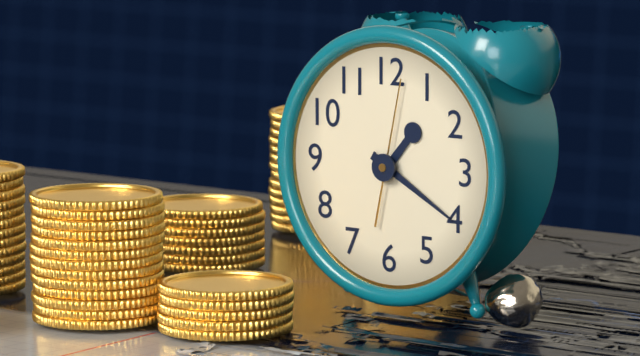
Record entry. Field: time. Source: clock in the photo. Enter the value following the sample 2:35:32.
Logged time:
1:20:02
